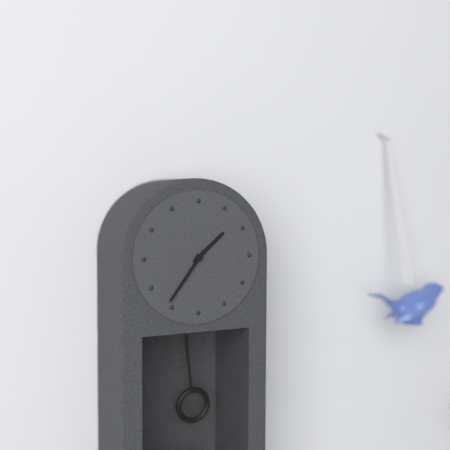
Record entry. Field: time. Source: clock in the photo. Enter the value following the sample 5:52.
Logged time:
1:36
